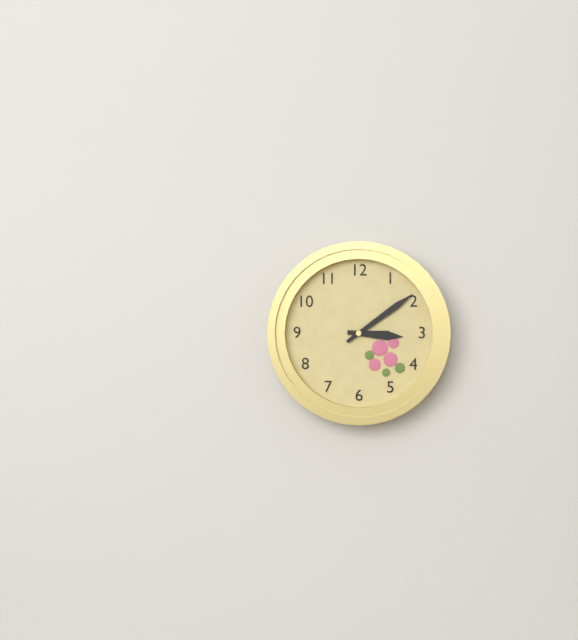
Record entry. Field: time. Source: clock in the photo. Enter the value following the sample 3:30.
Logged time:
3:09
